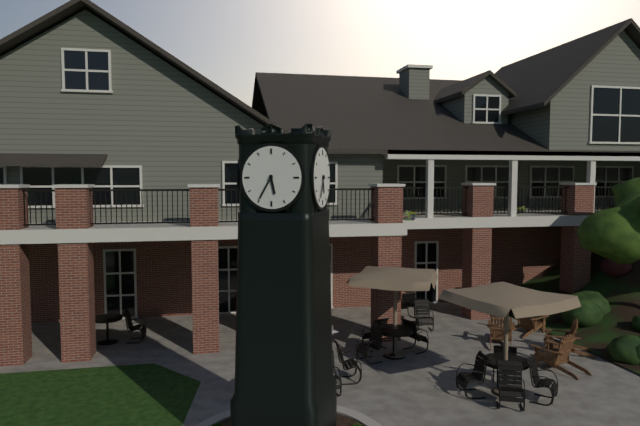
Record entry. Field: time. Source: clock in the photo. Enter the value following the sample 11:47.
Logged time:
5:35
